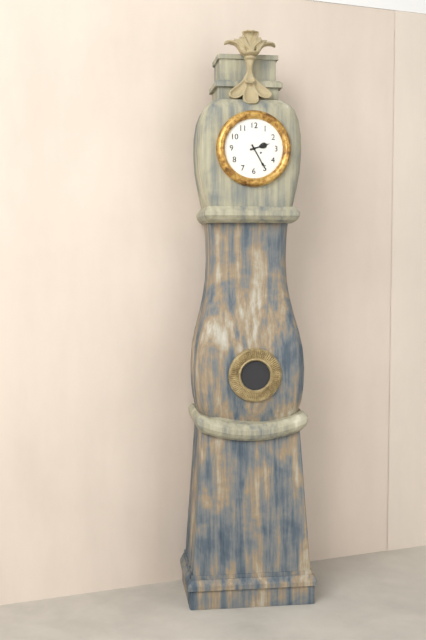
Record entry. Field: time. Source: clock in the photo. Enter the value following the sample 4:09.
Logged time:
2:25
